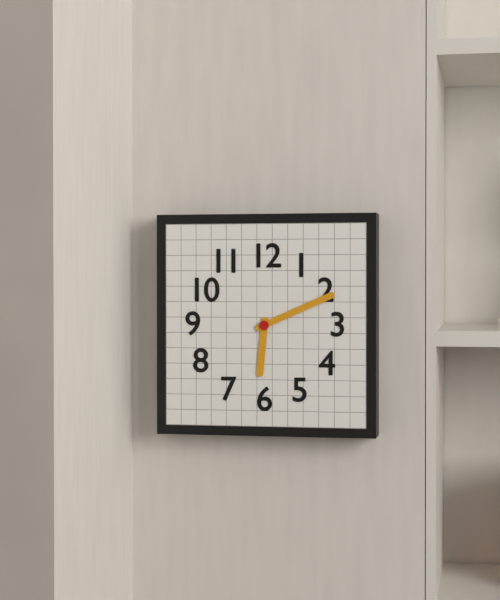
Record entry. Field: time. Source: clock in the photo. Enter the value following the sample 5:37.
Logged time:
6:11
